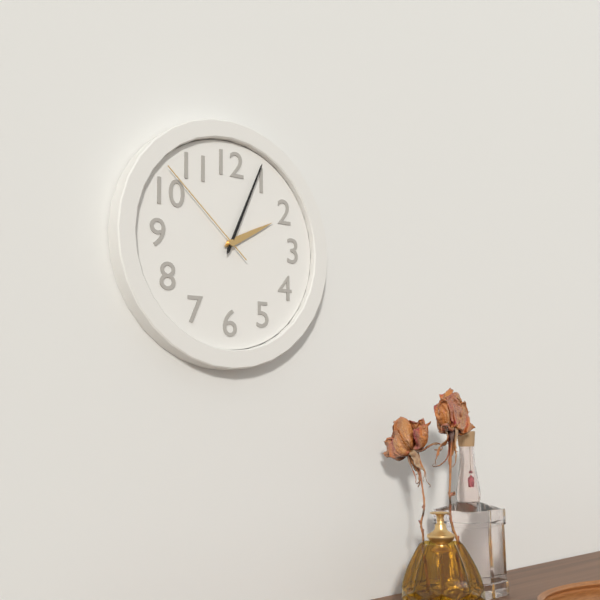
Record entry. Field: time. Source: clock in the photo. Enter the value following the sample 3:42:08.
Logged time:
2:04:52
